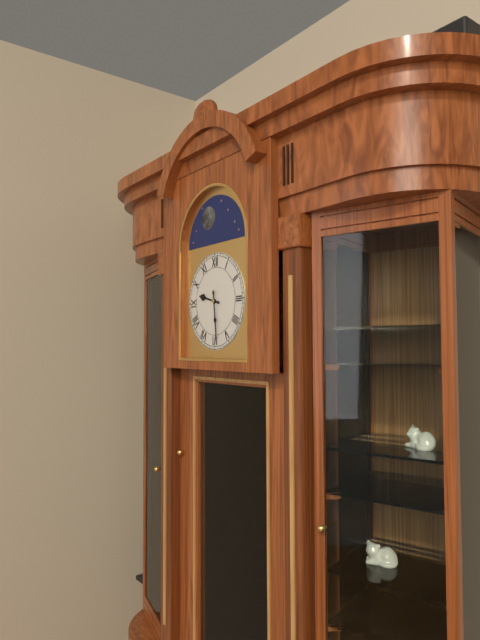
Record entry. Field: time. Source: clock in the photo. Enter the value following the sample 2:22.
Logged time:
9:29
